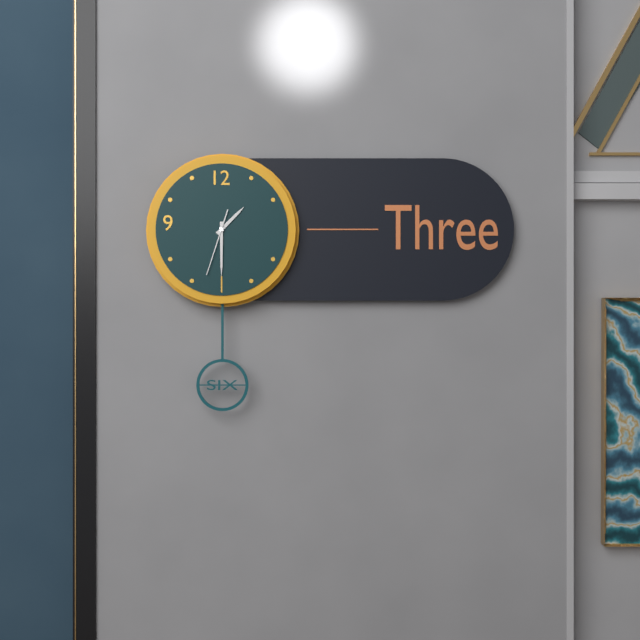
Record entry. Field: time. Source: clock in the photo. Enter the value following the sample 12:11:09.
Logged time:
1:30:33
